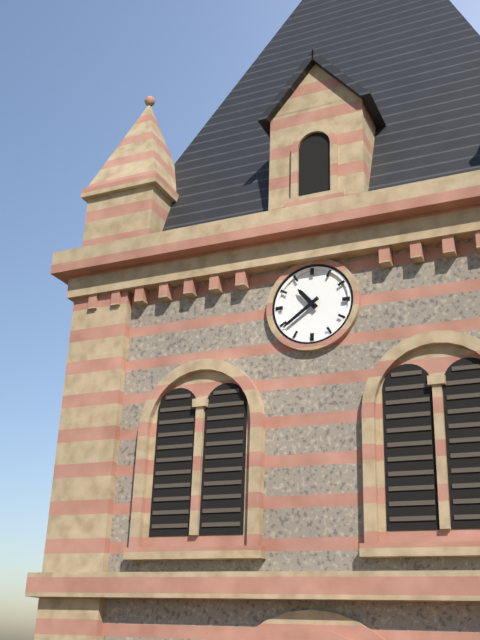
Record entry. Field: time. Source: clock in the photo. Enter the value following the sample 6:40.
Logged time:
10:39
